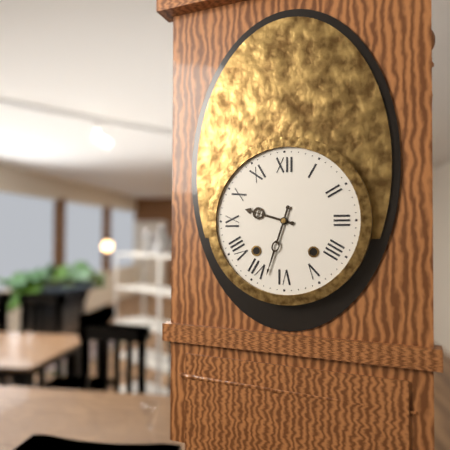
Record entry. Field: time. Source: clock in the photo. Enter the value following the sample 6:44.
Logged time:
9:33
